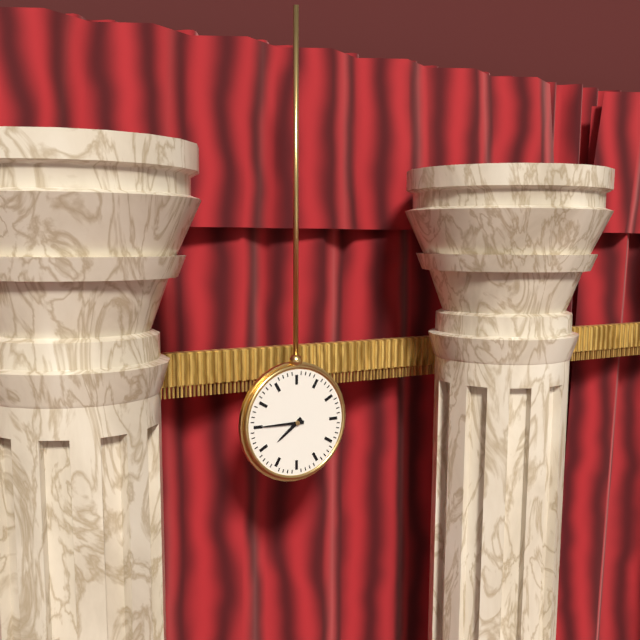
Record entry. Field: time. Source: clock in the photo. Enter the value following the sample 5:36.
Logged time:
7:45
